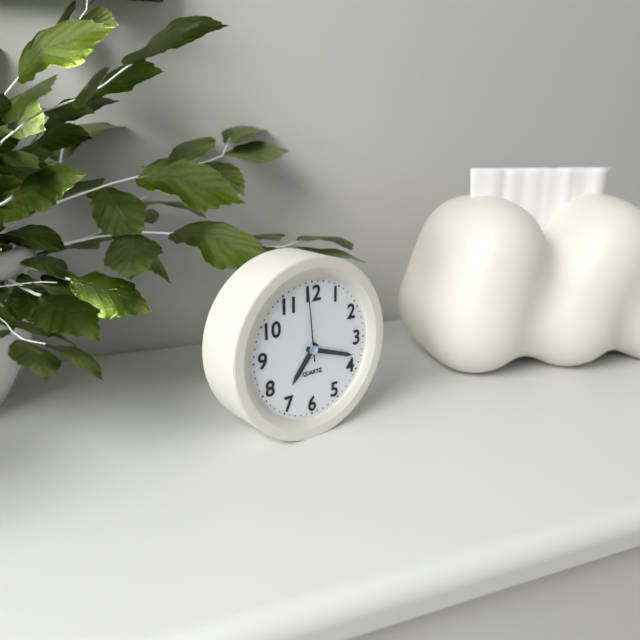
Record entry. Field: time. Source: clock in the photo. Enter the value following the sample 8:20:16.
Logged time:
7:18:59
